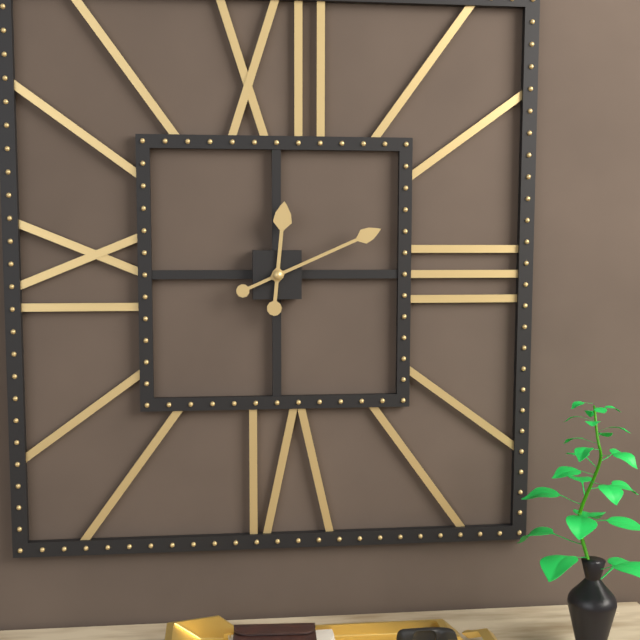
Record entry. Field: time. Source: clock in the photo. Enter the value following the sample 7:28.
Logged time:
12:11
